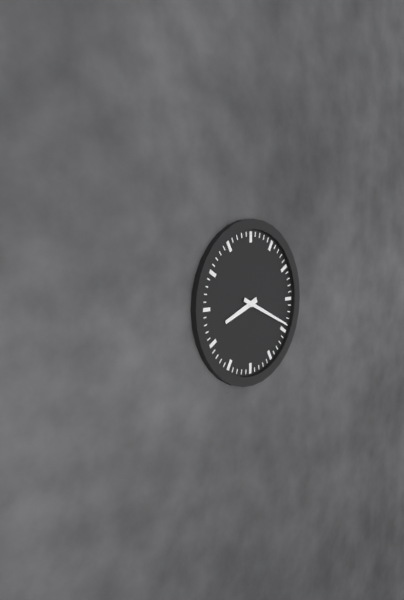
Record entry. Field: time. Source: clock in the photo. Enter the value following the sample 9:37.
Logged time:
8:19
